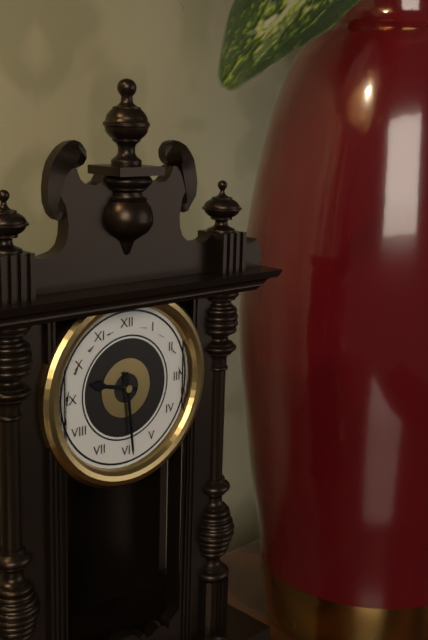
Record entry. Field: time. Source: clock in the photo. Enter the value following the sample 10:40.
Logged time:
9:29
